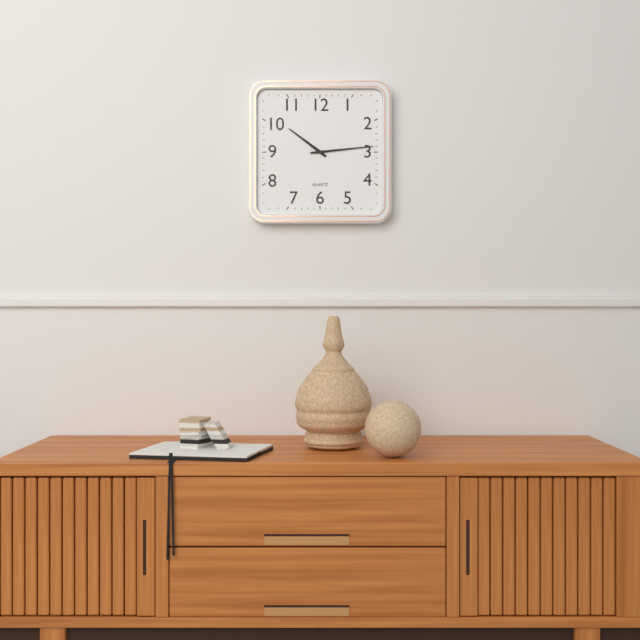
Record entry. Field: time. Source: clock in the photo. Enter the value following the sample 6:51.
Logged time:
10:14
